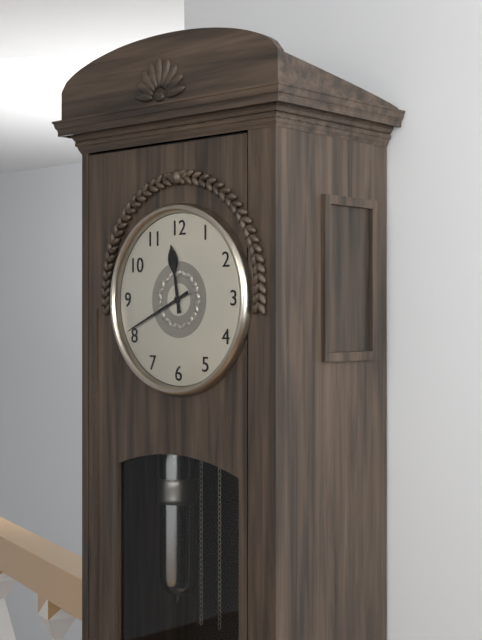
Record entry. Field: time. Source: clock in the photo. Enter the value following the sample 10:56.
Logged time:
11:41
